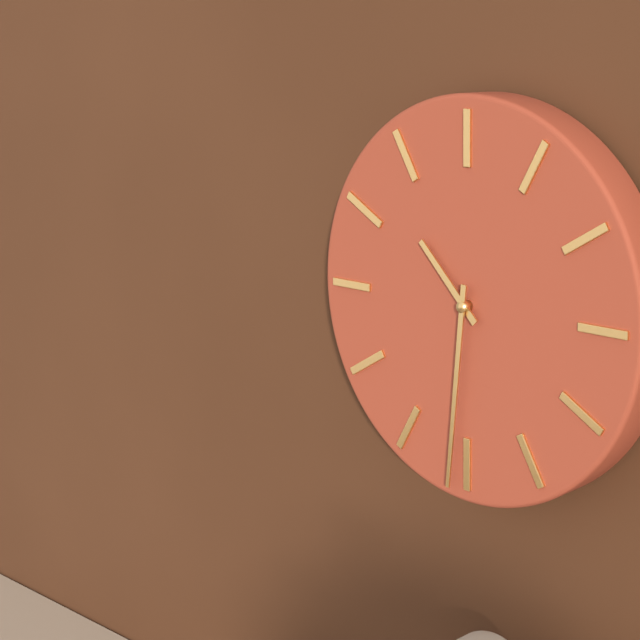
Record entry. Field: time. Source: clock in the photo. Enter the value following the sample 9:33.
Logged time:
10:31
